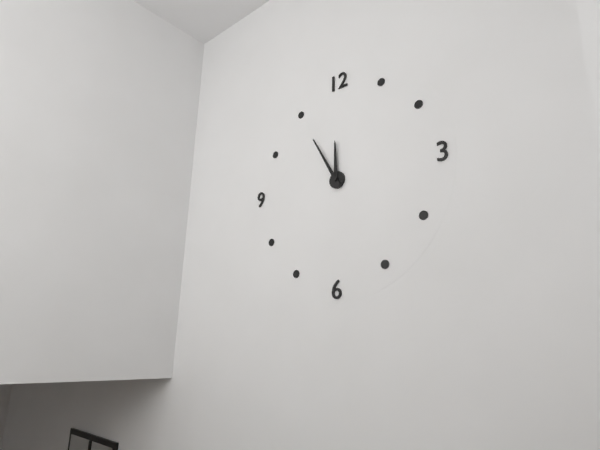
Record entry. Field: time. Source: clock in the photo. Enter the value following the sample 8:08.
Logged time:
11:55
